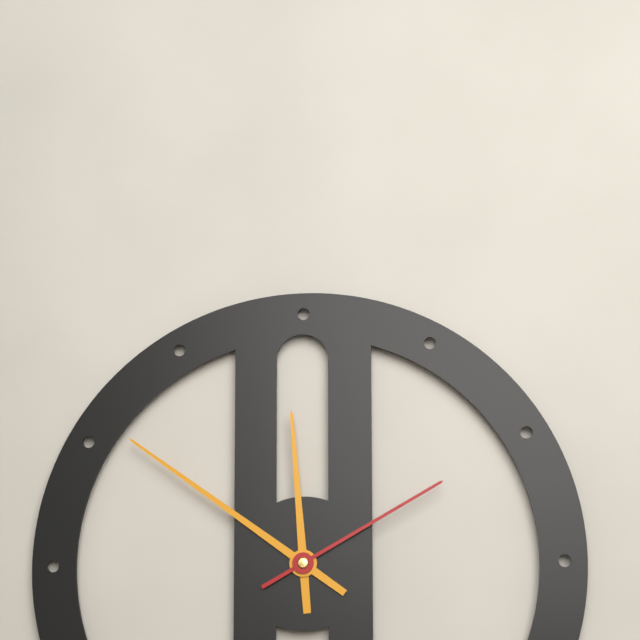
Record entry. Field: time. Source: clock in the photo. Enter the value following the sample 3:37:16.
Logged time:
11:51:10
